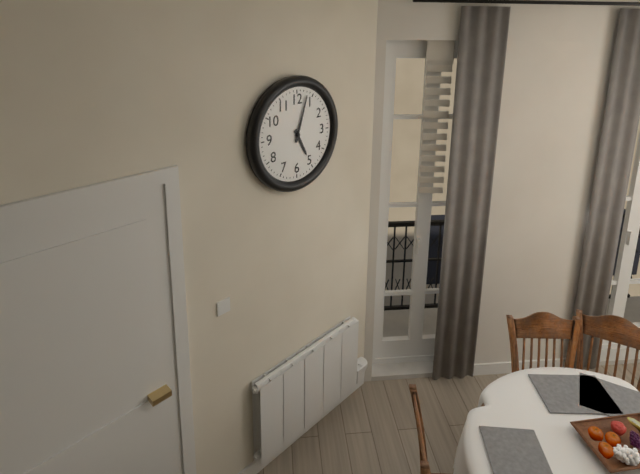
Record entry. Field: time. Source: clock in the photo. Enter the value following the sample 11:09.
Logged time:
5:03
